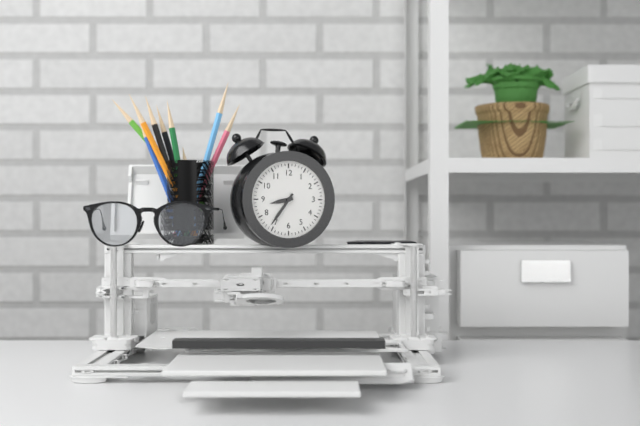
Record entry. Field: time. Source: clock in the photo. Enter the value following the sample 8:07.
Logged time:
8:36
